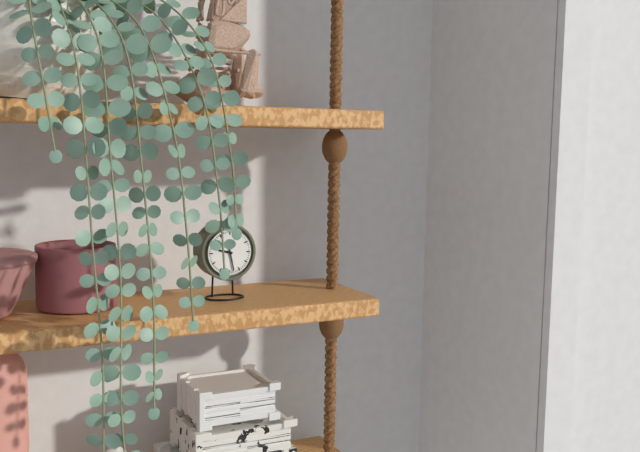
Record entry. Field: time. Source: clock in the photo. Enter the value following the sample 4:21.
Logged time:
9:28
